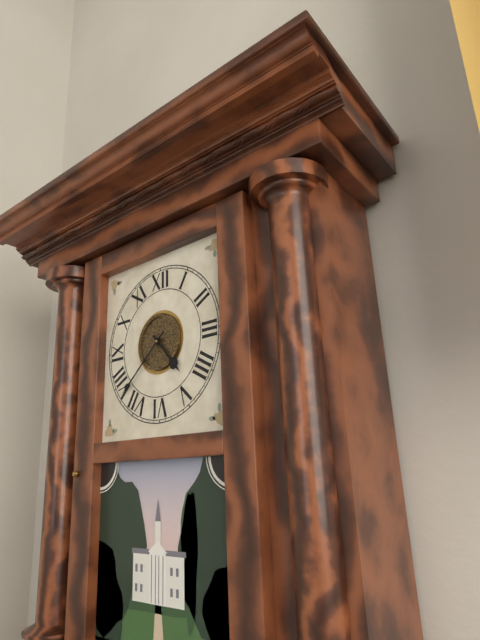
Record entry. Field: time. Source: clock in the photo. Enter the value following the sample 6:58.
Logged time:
4:38
